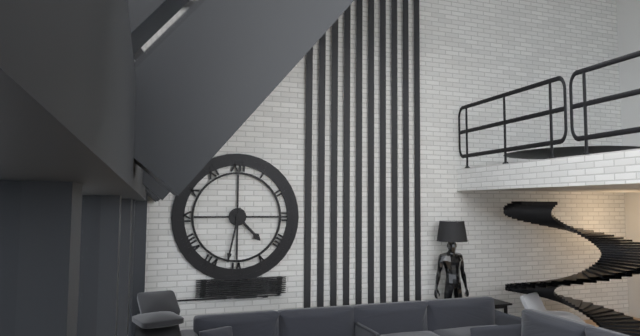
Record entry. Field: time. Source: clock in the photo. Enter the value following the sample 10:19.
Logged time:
4:32
